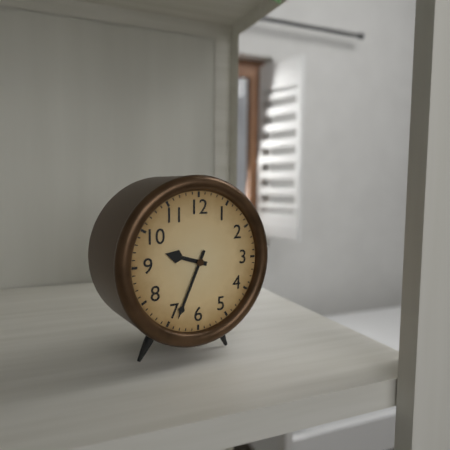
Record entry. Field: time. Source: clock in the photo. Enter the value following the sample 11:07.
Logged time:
9:34
